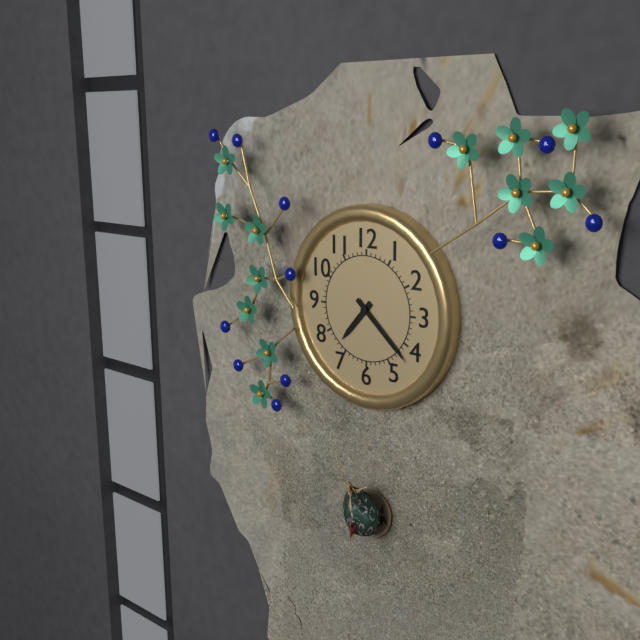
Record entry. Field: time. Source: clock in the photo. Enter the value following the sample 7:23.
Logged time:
7:22
